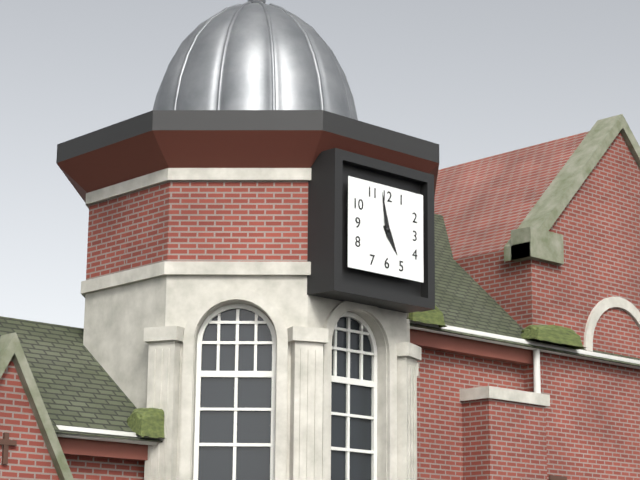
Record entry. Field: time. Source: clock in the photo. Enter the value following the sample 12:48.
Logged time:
4:58
